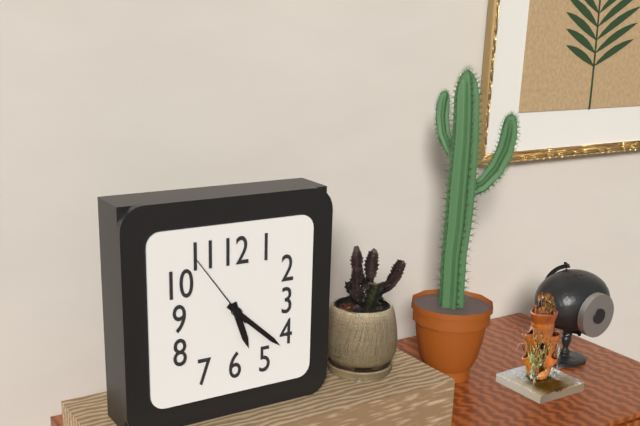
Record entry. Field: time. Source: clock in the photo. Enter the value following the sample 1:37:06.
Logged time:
5:22:54
